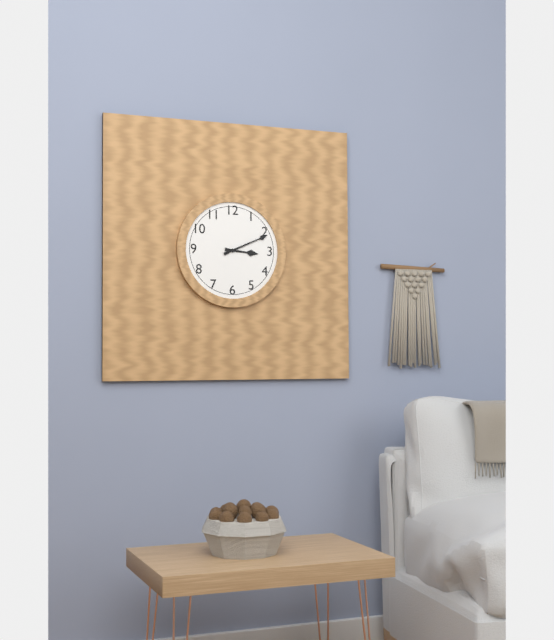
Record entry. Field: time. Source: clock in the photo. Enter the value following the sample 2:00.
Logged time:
3:11
